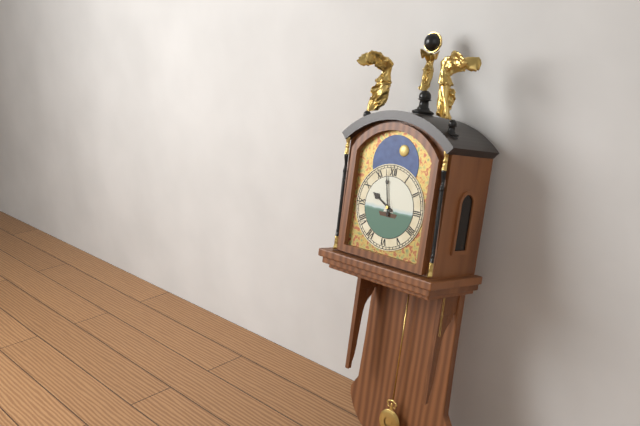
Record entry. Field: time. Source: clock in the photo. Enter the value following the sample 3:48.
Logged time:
9:58
